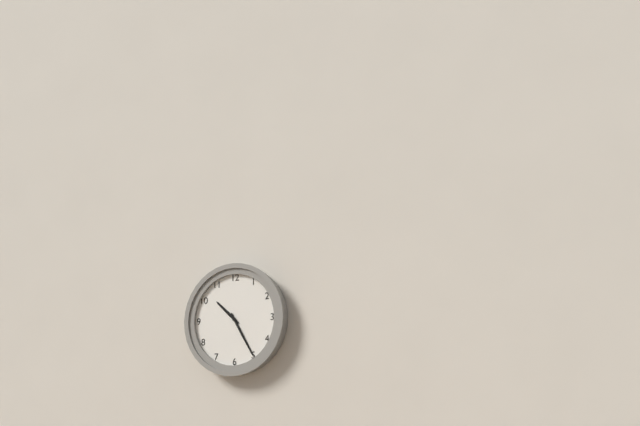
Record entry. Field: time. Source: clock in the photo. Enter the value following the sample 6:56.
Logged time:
10:25
